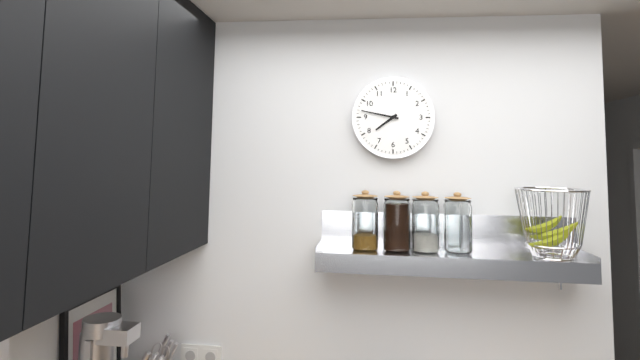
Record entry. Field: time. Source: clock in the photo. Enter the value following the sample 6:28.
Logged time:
7:47
